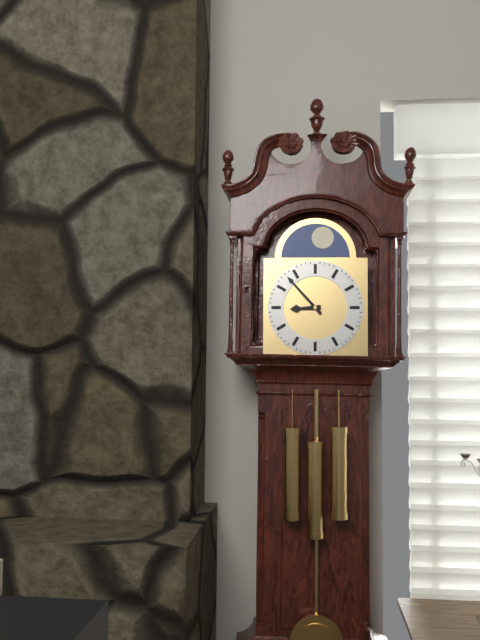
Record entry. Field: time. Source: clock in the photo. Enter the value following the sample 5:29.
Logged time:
8:53
